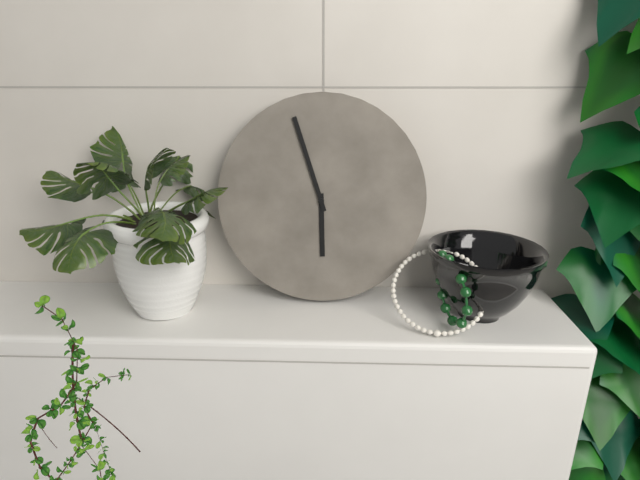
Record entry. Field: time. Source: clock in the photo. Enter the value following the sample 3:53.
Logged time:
5:57
